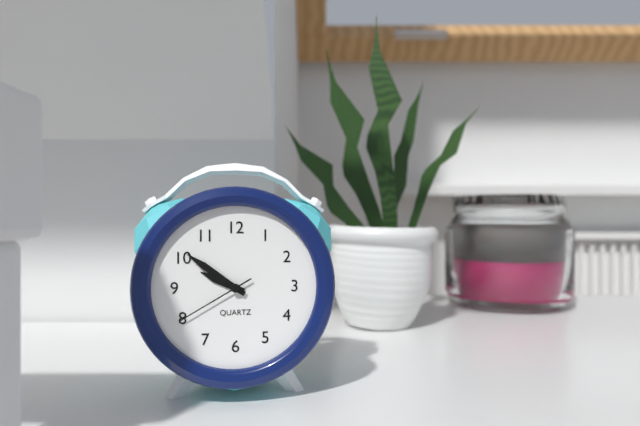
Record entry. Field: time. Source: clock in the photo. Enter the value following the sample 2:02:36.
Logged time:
9:51:40
